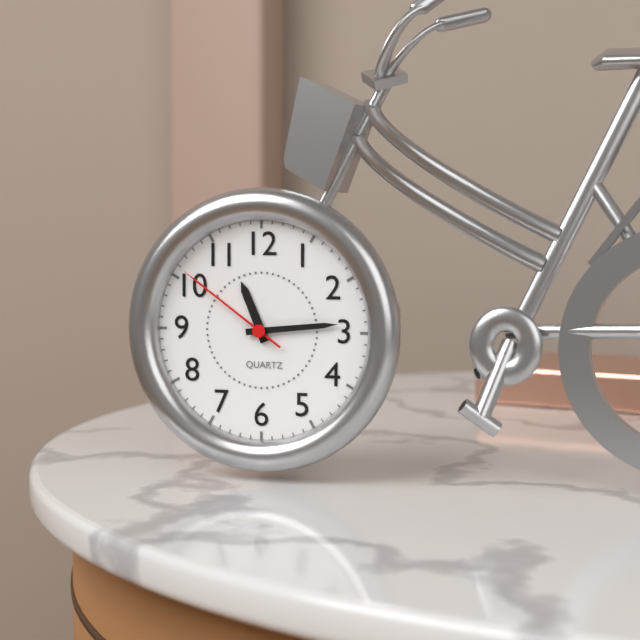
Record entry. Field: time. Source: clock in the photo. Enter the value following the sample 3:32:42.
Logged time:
11:14:51
